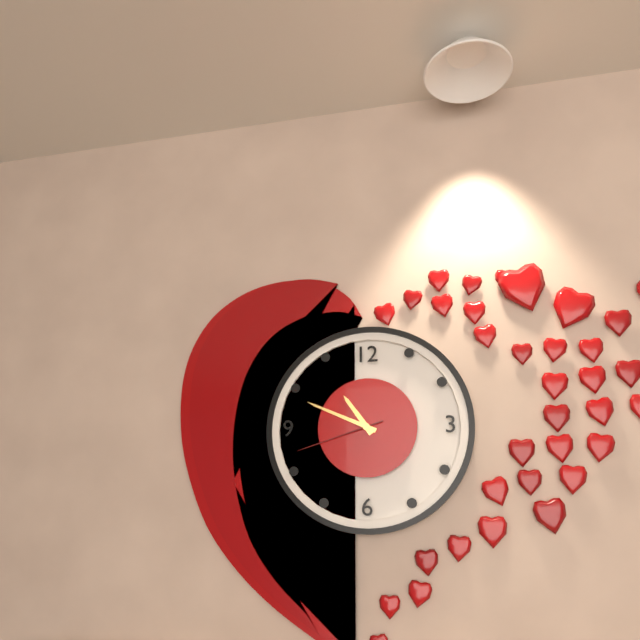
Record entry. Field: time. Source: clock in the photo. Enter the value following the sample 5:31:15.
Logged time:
10:49:42
